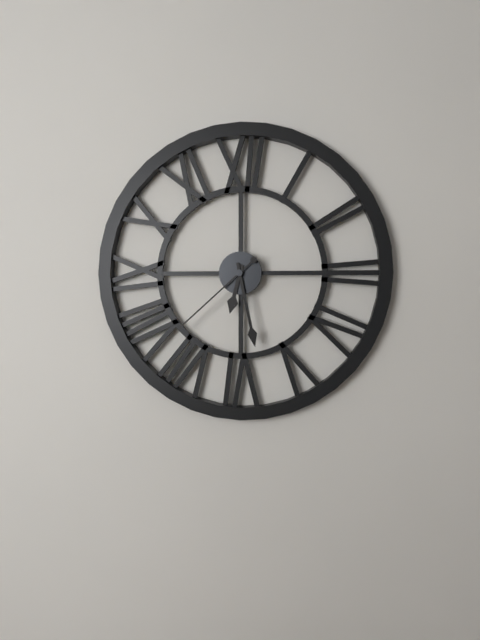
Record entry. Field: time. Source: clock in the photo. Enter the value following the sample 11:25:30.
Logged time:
6:28:38
